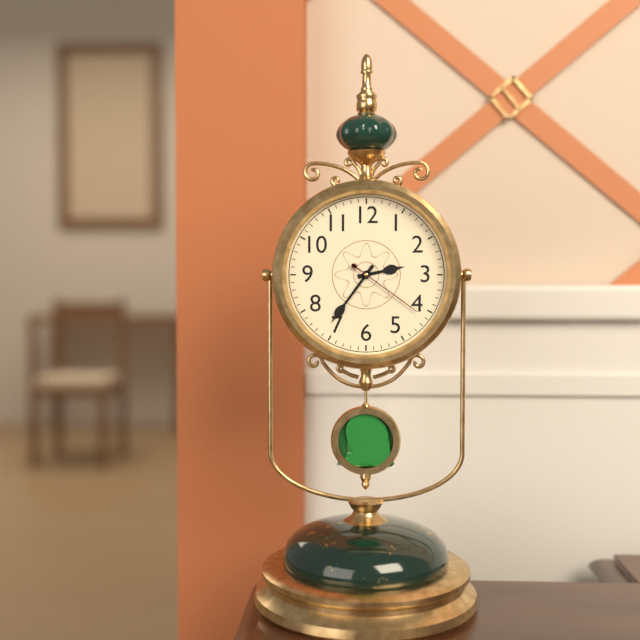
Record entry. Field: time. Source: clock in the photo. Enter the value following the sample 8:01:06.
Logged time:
2:36:21
